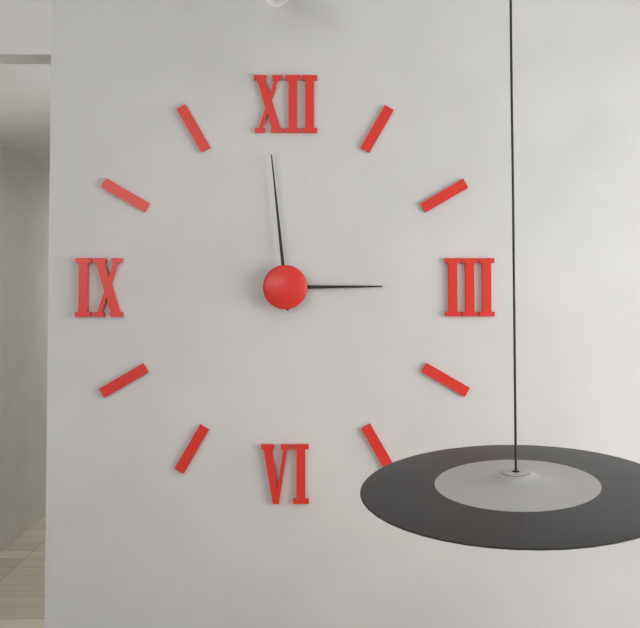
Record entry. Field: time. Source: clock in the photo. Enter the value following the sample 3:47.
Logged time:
2:59
